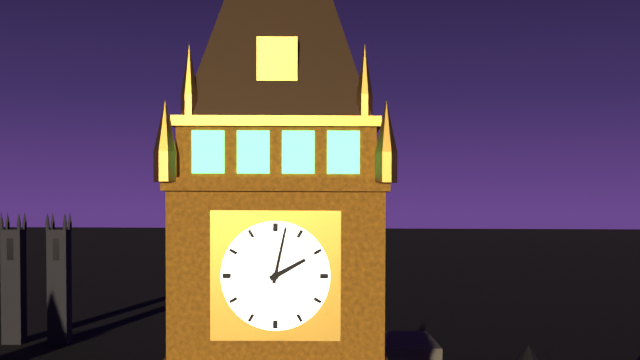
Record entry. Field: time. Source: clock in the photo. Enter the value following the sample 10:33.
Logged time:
2:02
